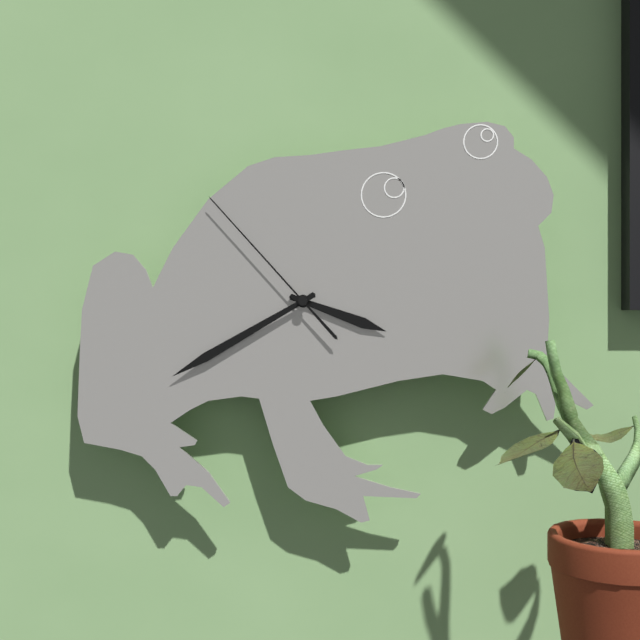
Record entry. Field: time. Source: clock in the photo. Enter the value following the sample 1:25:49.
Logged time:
3:40:53
